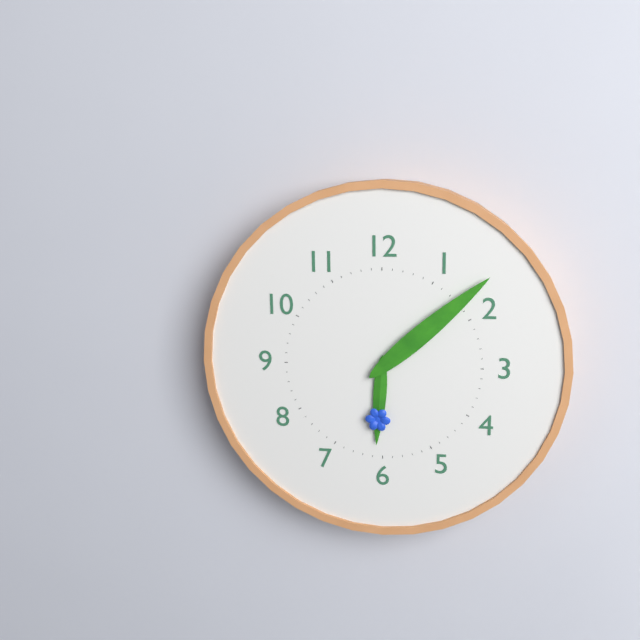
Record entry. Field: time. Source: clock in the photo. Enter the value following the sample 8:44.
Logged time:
6:08
